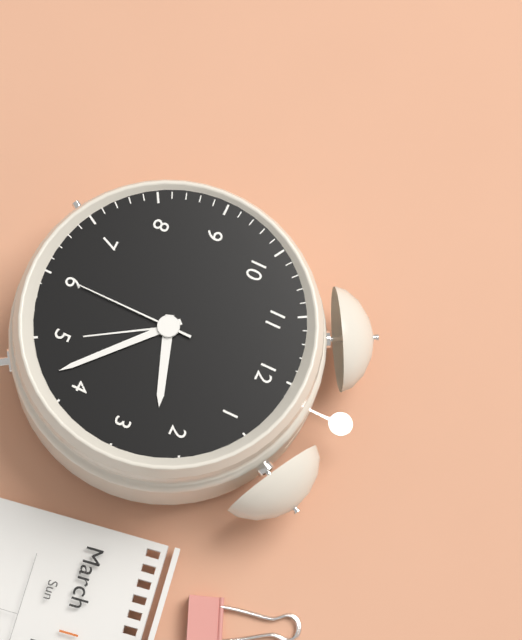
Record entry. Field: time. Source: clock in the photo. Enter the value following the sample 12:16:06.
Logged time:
2:22:30
